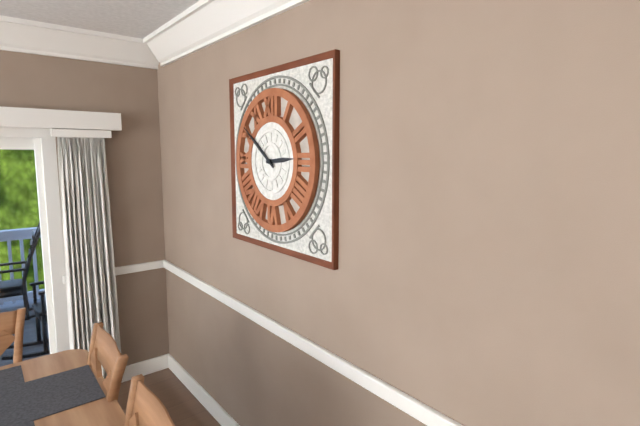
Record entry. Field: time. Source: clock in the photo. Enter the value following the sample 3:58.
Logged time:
2:51
